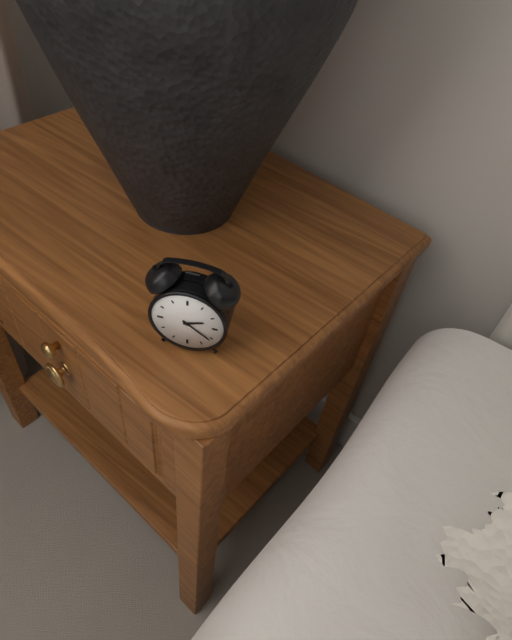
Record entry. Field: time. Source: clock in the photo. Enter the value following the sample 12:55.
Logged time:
2:21
